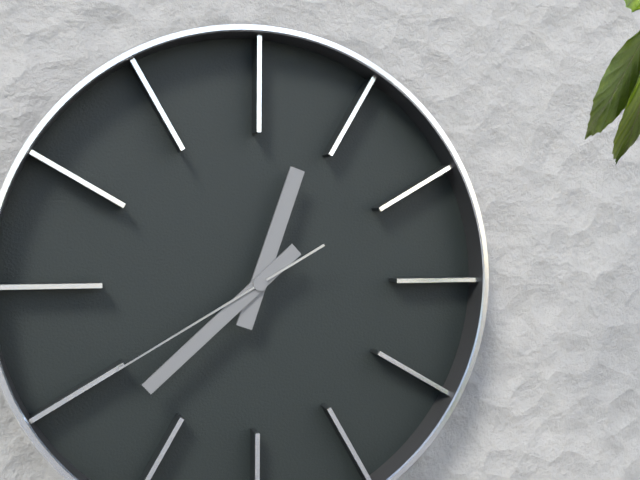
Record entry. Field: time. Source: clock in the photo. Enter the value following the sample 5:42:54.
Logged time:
12:38:40
